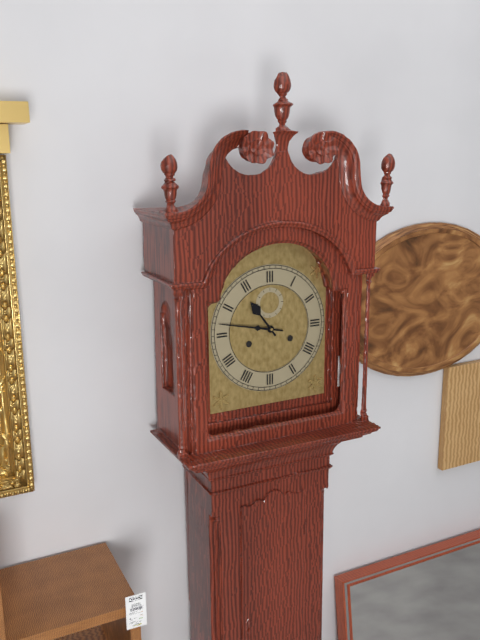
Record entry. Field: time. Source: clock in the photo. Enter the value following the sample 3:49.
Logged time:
10:47
